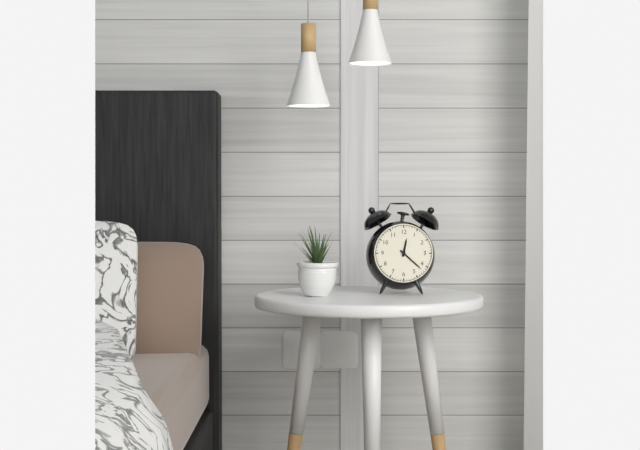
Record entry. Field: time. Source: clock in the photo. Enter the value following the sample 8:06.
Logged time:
12:22
